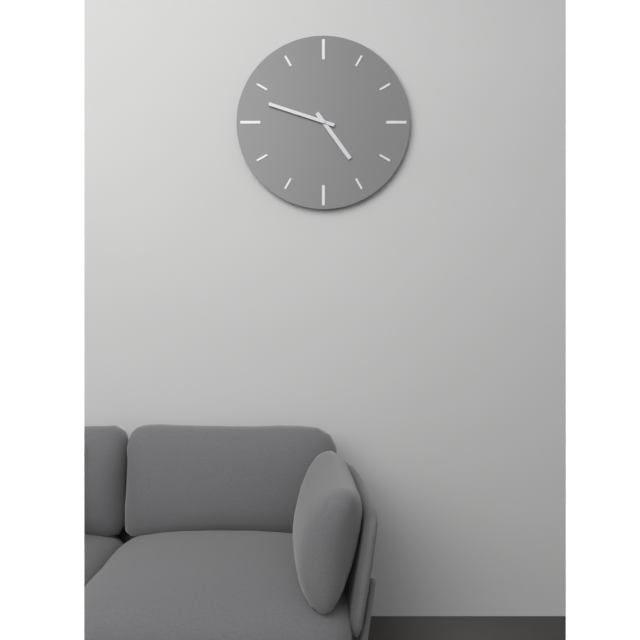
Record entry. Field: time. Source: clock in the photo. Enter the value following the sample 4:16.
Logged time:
4:48
